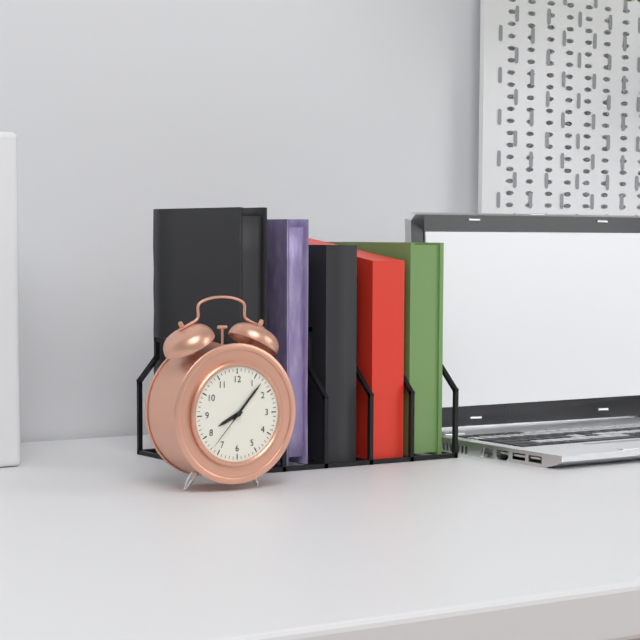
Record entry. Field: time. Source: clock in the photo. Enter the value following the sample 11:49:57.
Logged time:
8:07:37
